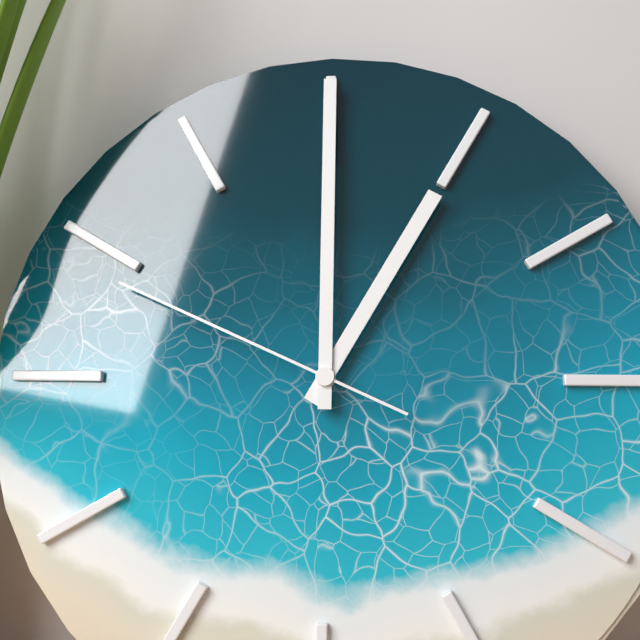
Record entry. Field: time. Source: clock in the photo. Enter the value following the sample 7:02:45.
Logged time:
1:00:49
